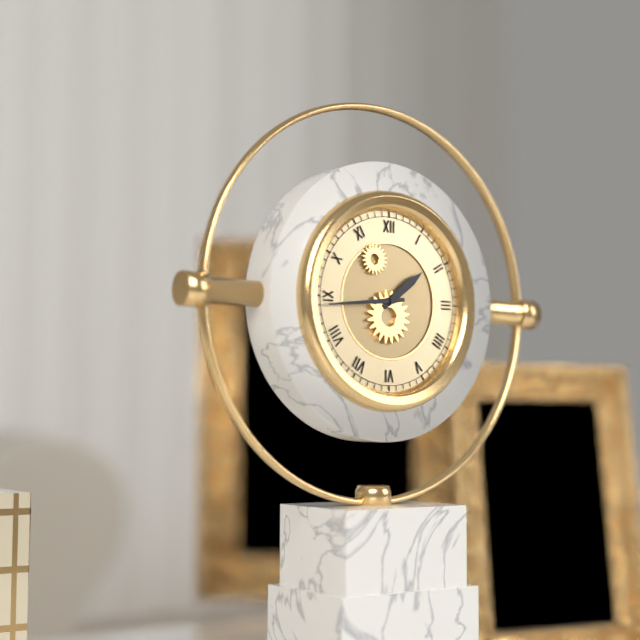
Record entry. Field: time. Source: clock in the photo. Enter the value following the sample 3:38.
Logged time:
1:44
